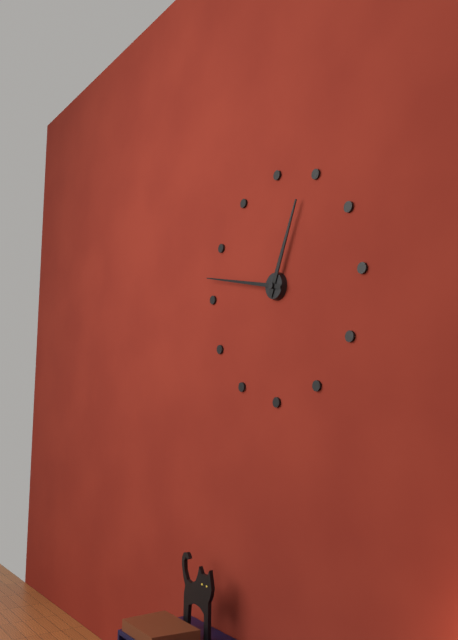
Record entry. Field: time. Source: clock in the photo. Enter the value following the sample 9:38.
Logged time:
12:47
